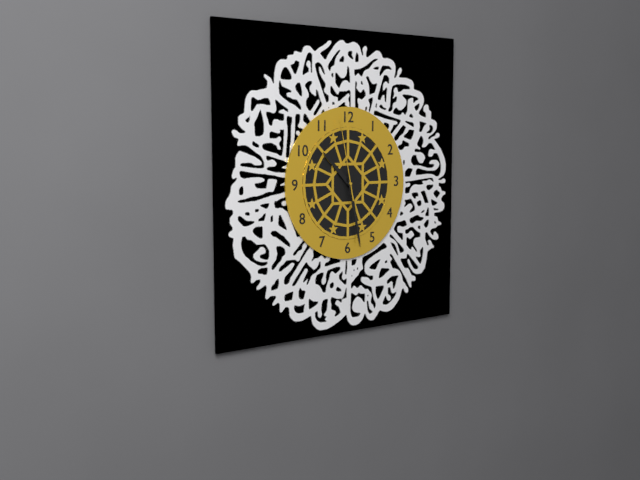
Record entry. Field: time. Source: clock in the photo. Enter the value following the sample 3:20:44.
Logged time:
10:28:58
